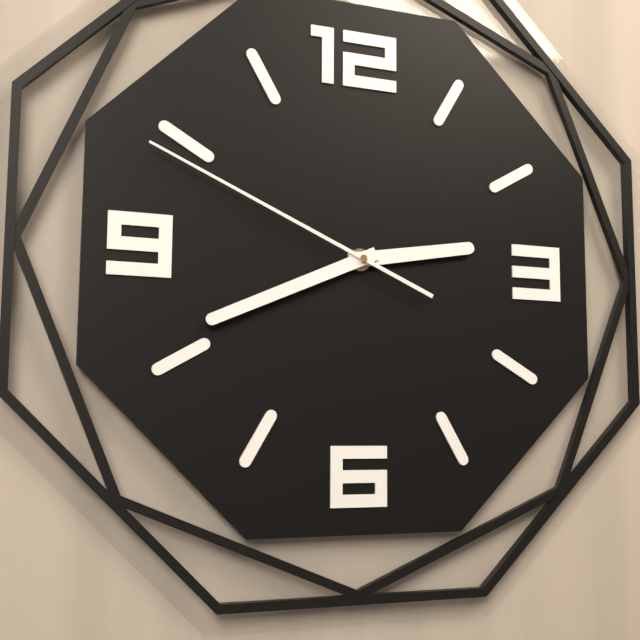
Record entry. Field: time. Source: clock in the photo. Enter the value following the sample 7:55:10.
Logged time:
2:41:49
